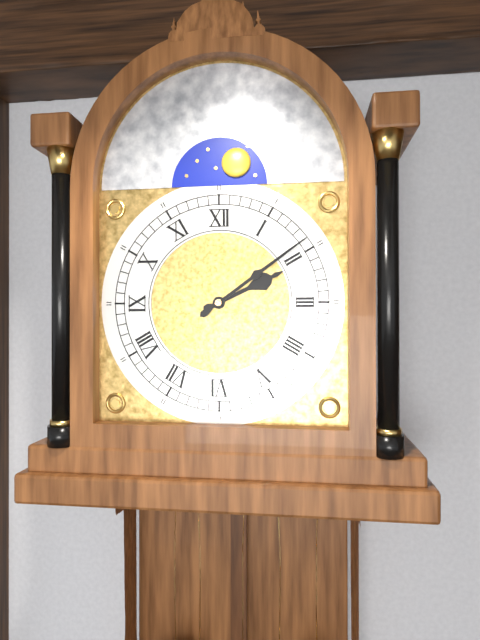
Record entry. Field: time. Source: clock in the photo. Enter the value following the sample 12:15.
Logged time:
2:09
